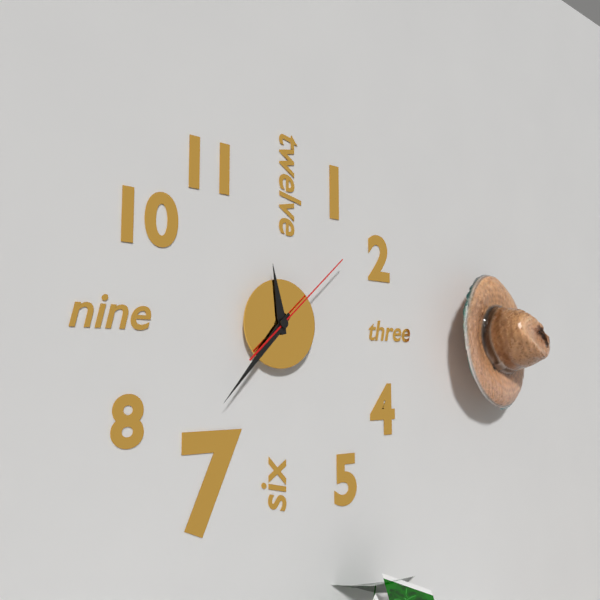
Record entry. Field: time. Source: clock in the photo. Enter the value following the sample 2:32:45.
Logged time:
11:37:08
